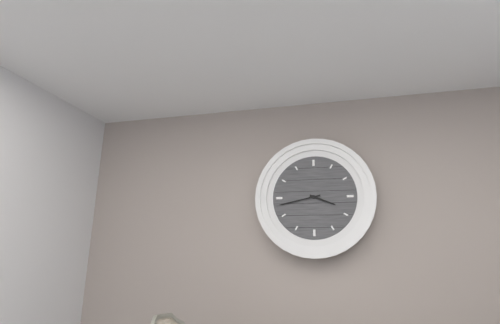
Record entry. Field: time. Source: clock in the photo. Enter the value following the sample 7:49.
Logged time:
3:43
